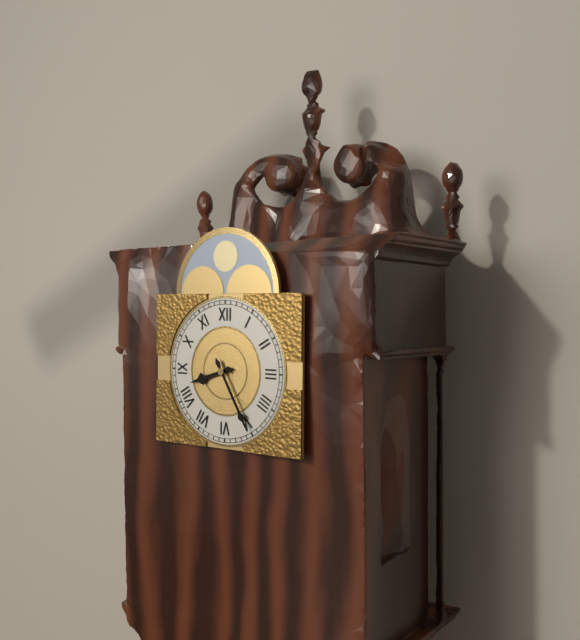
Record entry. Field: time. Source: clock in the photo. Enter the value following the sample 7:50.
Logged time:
8:25
